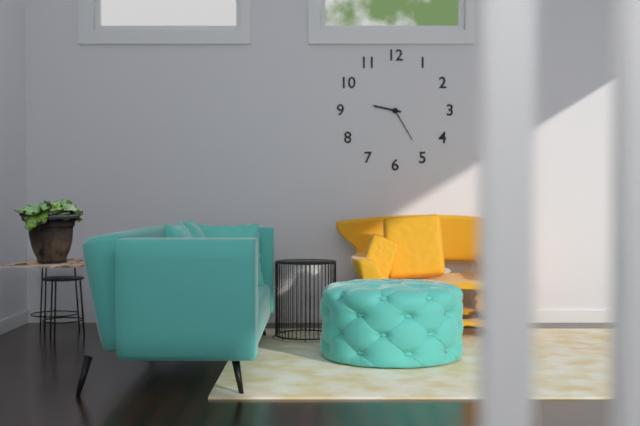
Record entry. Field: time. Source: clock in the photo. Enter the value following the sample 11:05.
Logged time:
9:25
